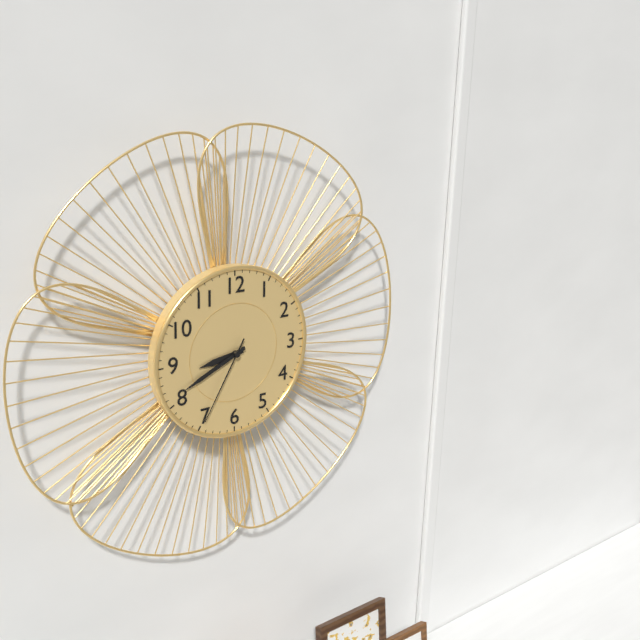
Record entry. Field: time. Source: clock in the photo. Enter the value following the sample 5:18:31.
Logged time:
8:41:35
